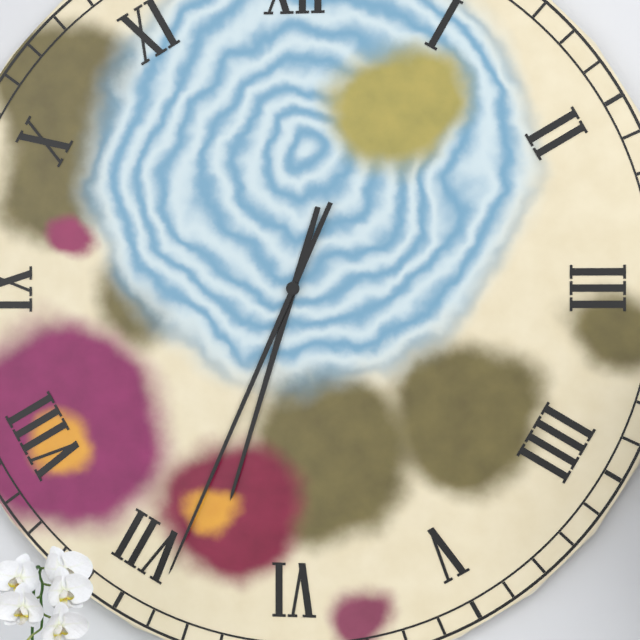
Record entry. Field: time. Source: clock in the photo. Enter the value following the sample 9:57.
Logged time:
6:34
